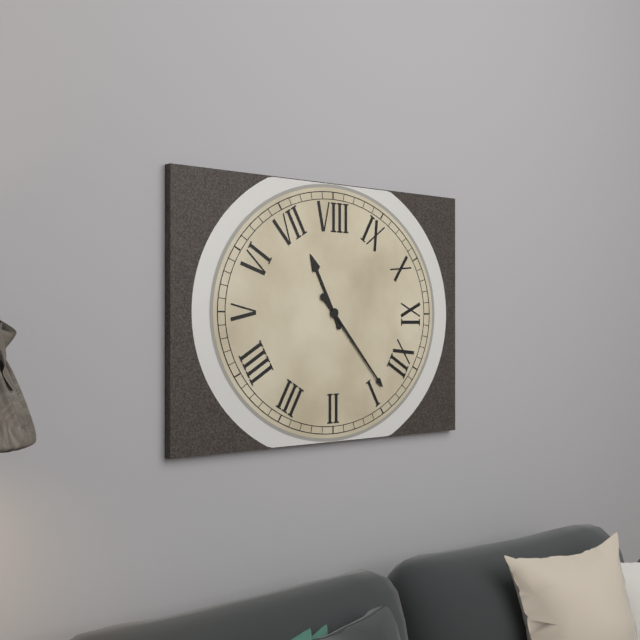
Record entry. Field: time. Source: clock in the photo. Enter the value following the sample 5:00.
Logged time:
7:03
